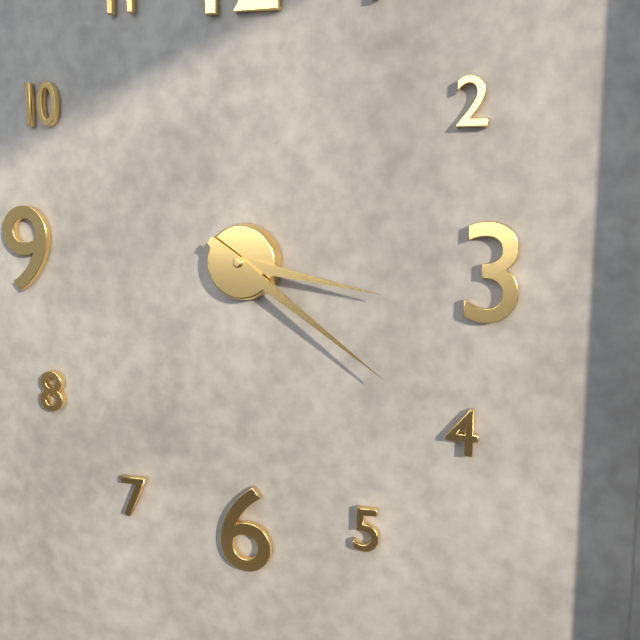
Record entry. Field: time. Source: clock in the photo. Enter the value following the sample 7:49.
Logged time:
3:21
